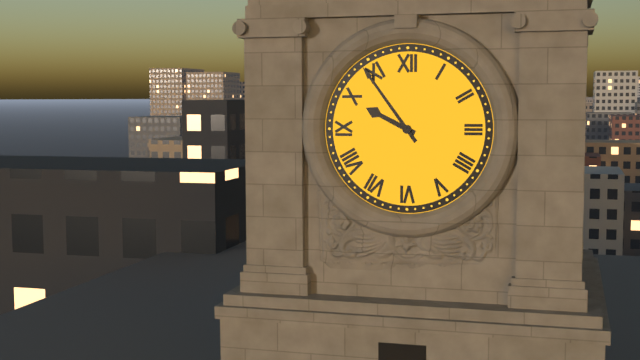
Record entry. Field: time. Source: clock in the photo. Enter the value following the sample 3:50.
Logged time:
9:54
